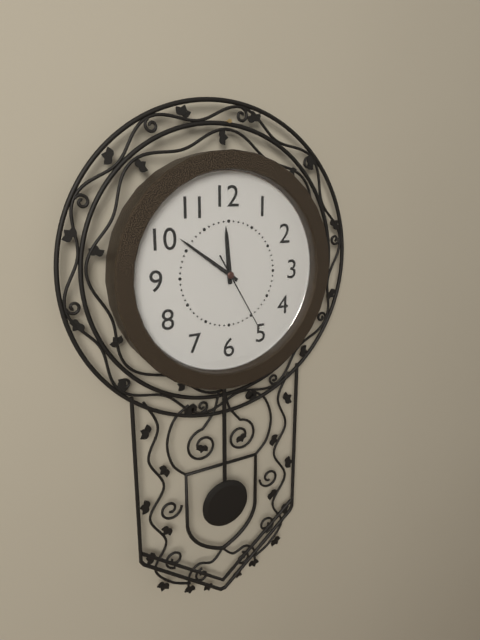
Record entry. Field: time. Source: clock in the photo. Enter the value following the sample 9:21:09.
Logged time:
11:51:25
